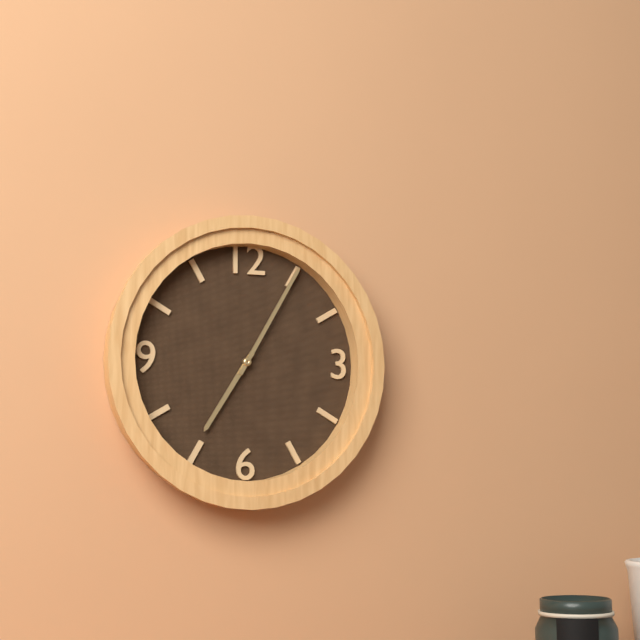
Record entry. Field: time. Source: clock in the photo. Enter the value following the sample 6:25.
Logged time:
7:05
